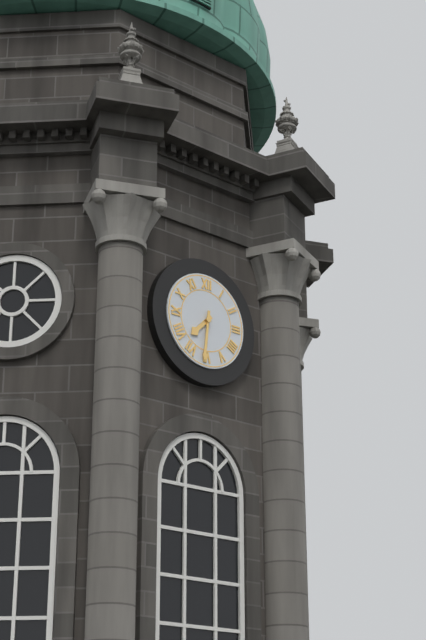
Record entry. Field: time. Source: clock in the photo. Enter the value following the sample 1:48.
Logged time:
7:31
